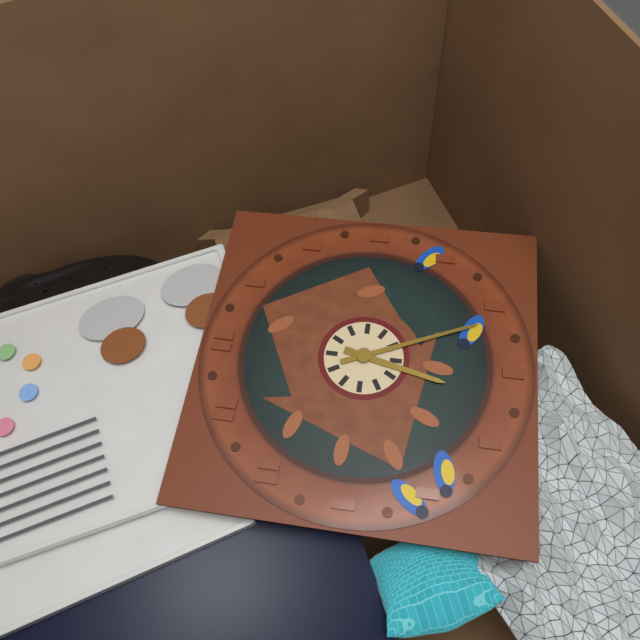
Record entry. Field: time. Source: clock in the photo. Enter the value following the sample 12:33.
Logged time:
6:26
